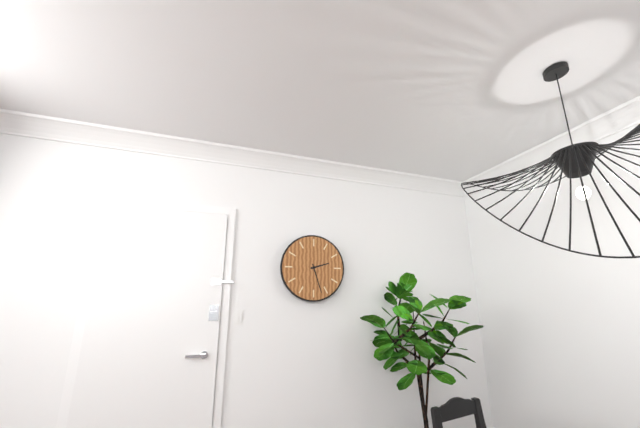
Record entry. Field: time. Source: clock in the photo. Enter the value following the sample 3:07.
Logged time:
2:27
